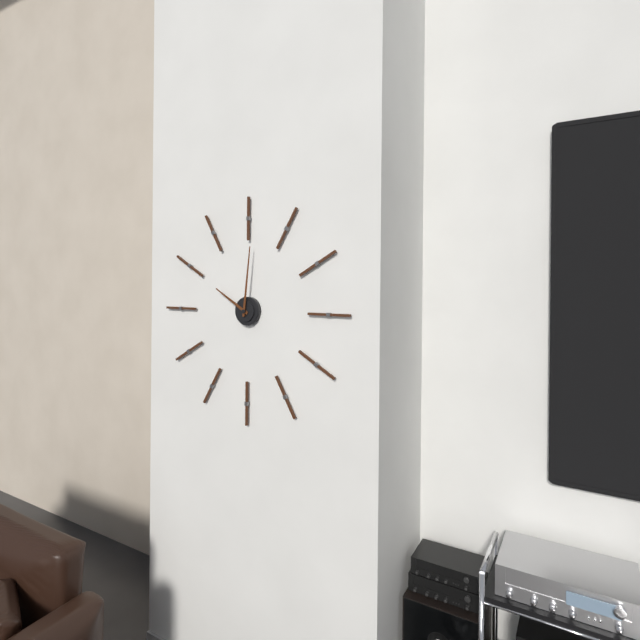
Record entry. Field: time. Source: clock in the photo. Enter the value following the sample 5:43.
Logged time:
10:01
